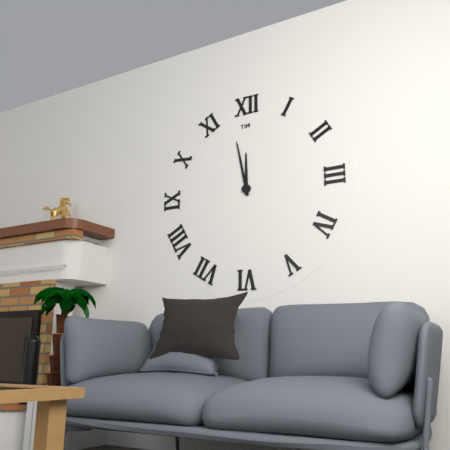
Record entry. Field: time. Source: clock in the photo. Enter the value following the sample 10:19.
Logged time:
11:58
